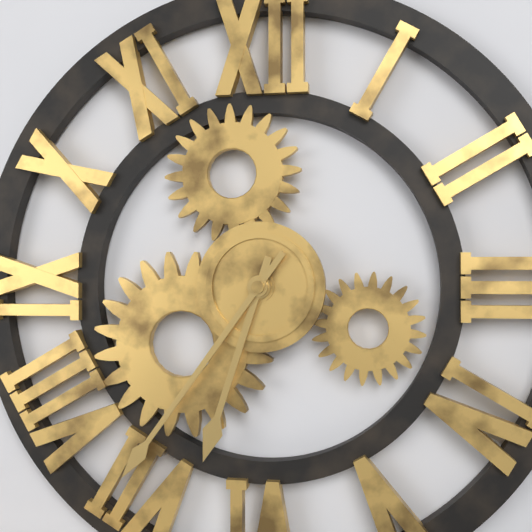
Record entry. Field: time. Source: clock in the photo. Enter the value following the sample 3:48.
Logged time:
6:36
